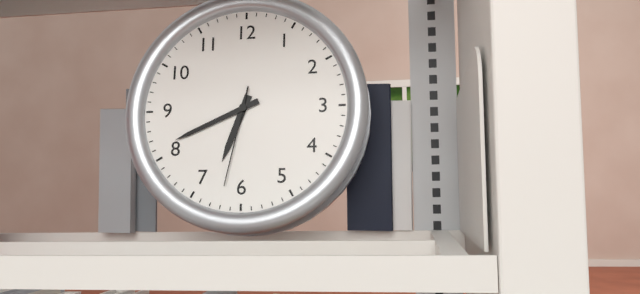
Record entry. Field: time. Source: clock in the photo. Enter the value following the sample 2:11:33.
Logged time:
6:41:32
